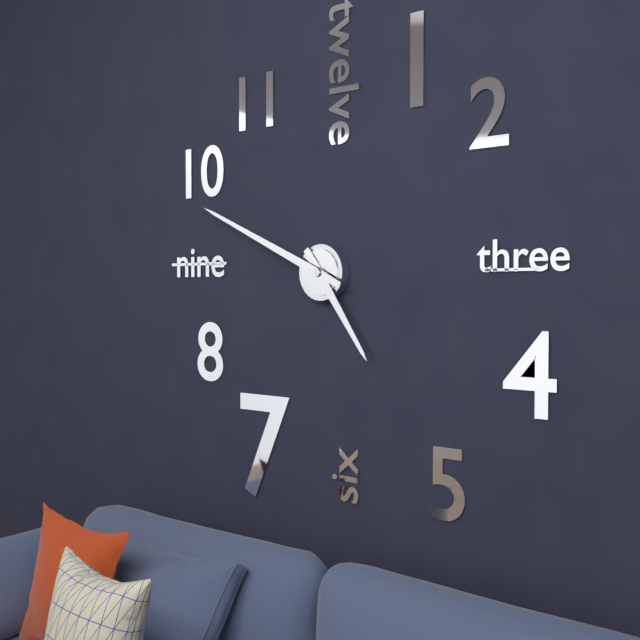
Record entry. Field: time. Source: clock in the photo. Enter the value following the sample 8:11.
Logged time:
4:49
